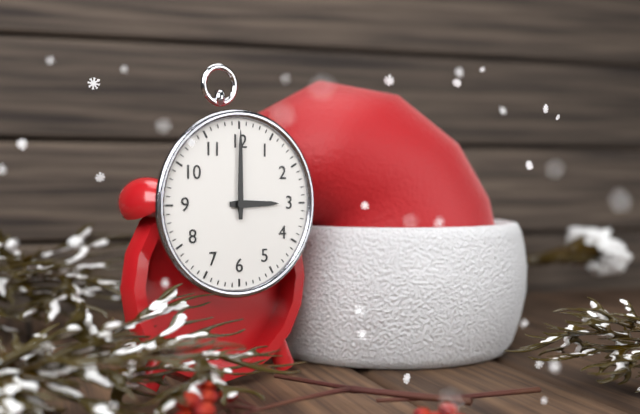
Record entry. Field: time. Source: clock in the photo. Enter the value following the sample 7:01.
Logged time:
3:00
